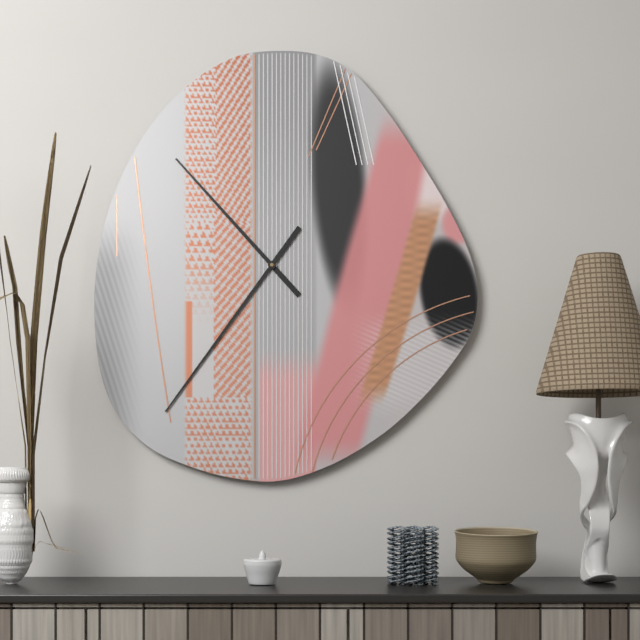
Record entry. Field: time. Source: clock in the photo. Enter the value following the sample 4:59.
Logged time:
10:36
